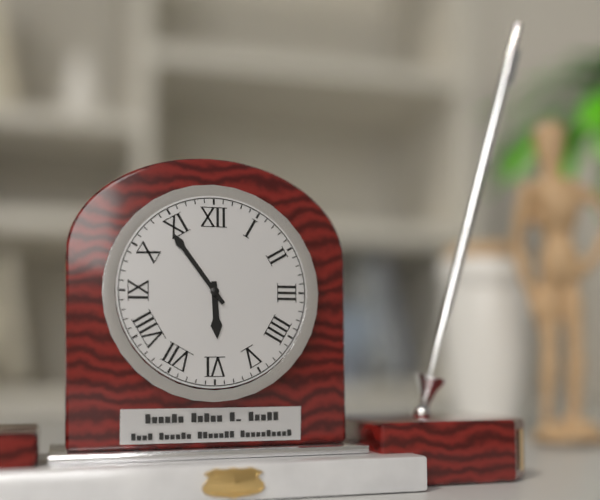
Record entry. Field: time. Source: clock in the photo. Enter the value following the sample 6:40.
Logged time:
5:54
